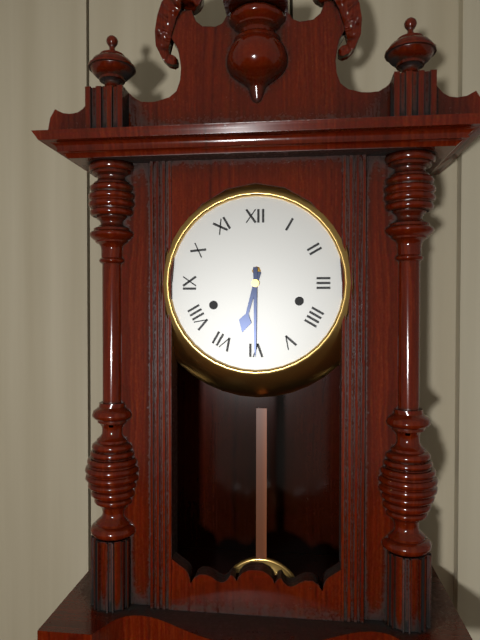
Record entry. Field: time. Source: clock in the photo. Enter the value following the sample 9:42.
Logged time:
6:30
